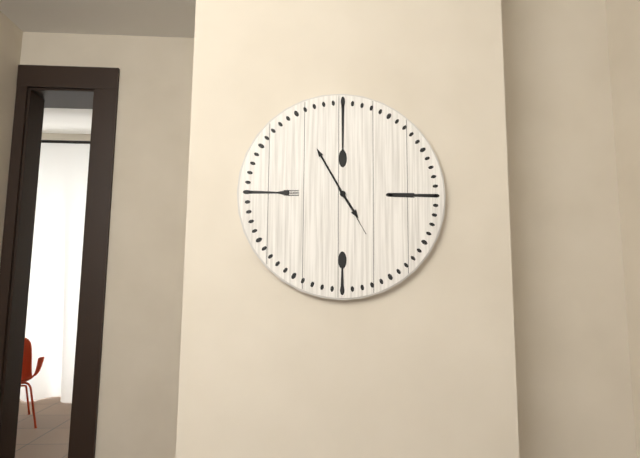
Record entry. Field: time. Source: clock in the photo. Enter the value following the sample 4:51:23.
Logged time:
4:55:25
